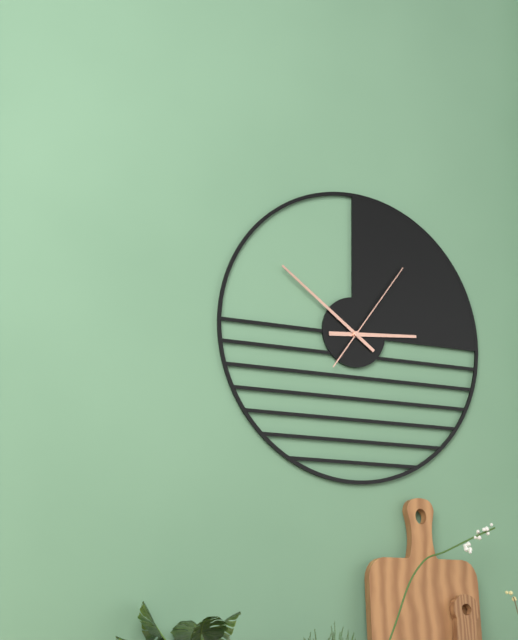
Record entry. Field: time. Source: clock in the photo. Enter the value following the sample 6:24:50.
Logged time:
2:51:06
